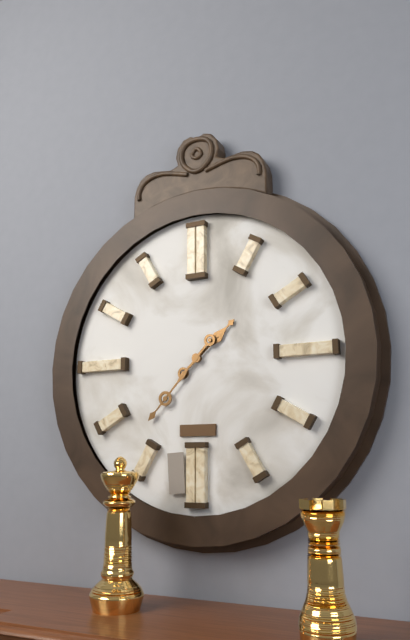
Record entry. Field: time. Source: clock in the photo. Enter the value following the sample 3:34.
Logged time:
1:37
